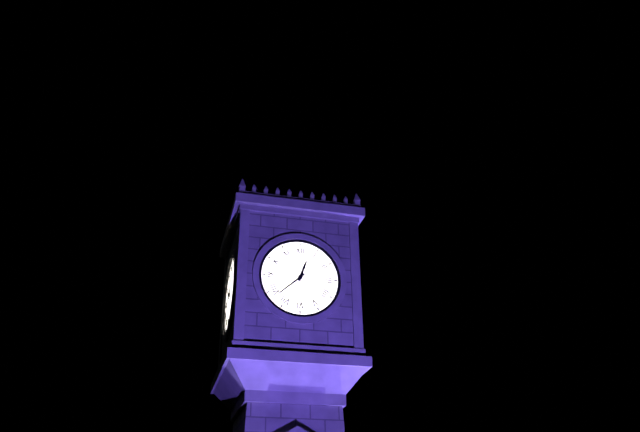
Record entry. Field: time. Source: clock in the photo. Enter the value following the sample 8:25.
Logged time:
12:38
